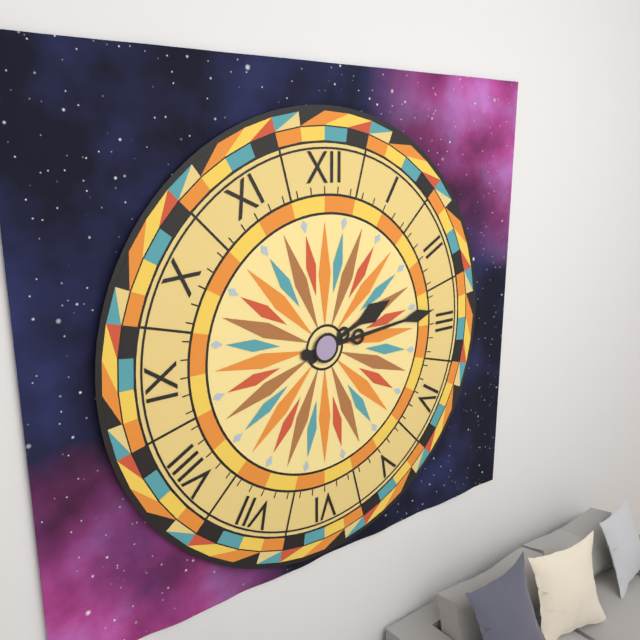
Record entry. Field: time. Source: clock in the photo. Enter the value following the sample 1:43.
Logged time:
2:14
